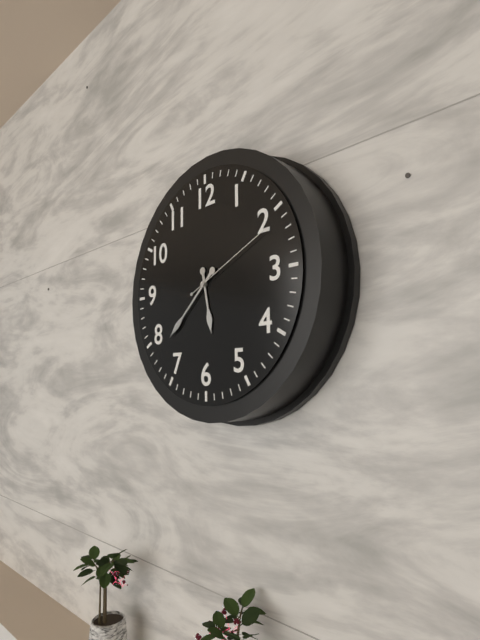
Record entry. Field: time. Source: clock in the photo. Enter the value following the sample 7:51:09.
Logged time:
5:38:11
